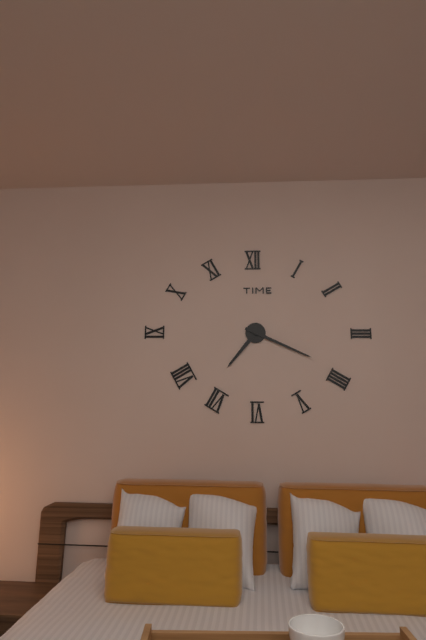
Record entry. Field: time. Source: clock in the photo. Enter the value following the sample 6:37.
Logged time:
7:19
